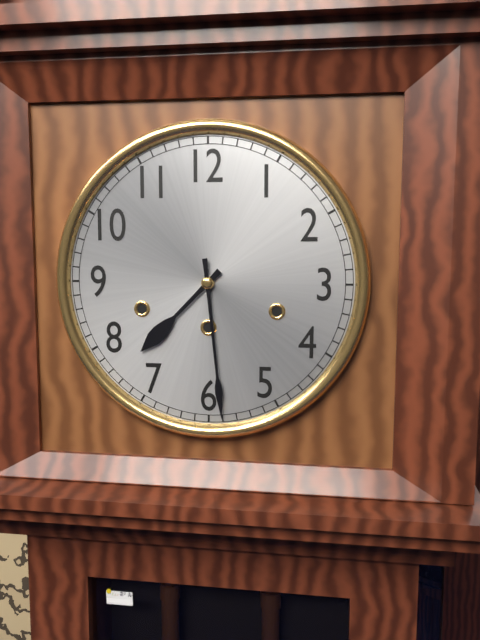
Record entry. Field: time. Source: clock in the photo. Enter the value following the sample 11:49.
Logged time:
7:29
